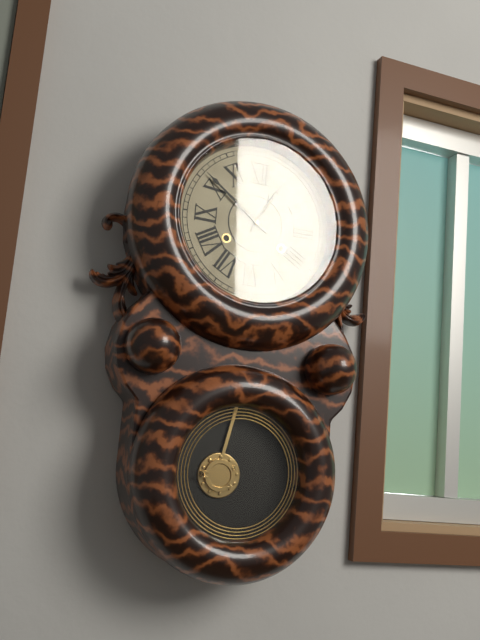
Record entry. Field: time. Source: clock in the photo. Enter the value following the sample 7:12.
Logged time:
12:51
